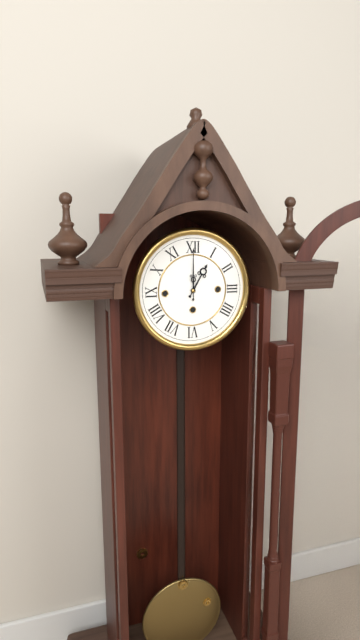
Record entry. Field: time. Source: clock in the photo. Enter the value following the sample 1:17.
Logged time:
1:00
